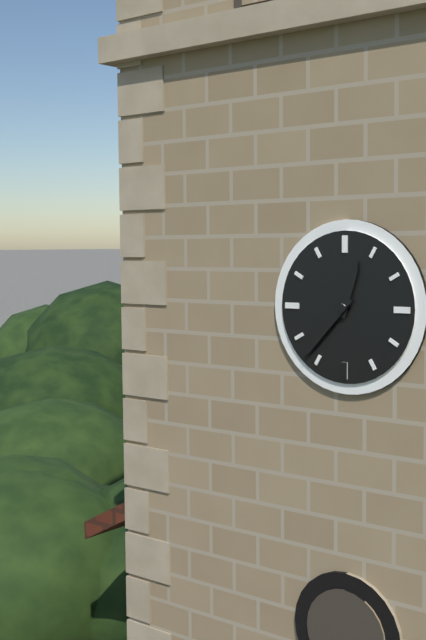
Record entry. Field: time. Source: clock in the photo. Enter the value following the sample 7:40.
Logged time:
12:37
